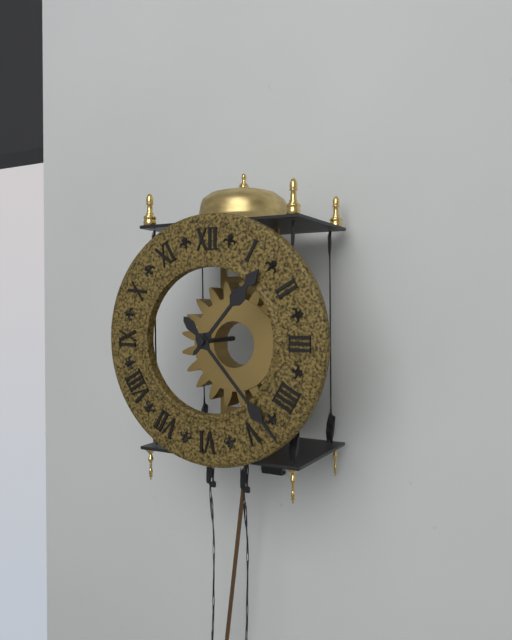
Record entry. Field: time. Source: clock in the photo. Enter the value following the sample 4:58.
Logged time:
1:23
